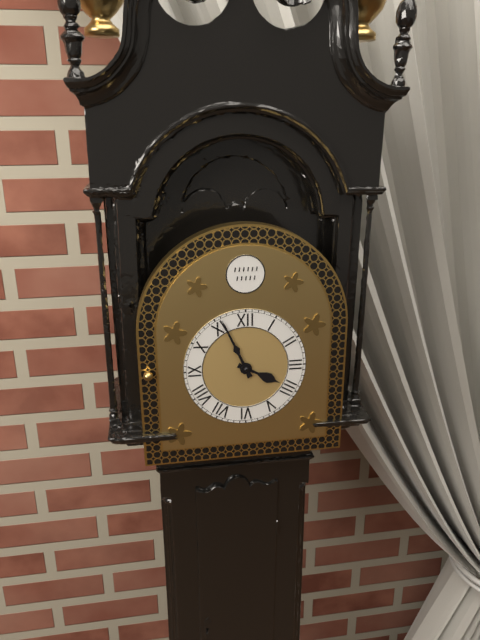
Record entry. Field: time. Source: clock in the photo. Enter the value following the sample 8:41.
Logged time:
3:56
